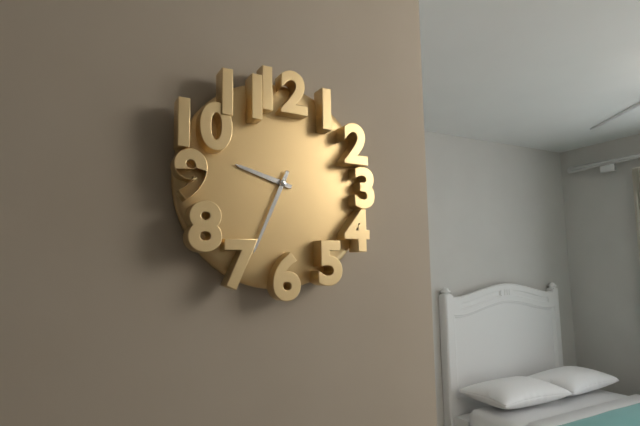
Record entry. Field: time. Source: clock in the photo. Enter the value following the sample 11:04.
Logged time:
9:34
